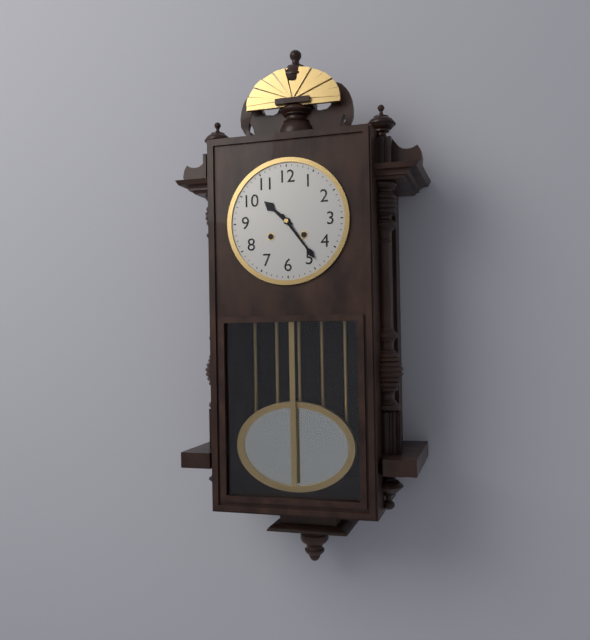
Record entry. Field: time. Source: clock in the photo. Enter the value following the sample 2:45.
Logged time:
10:24
